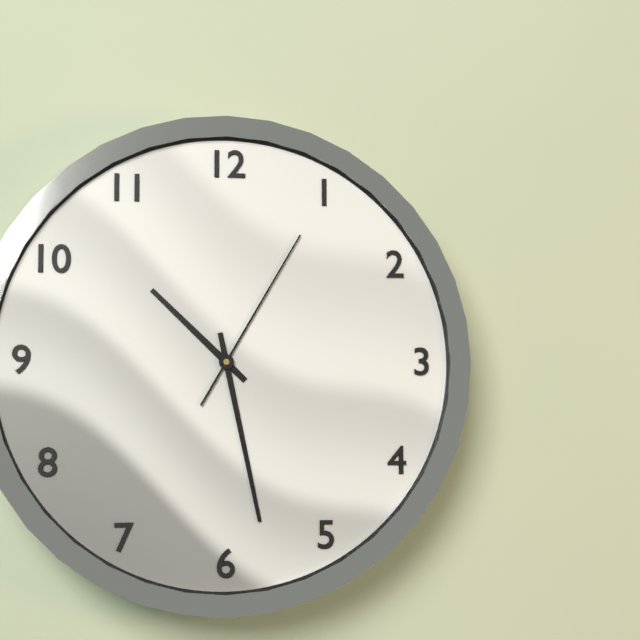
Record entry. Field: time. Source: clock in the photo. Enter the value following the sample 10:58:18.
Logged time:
10:28:05
